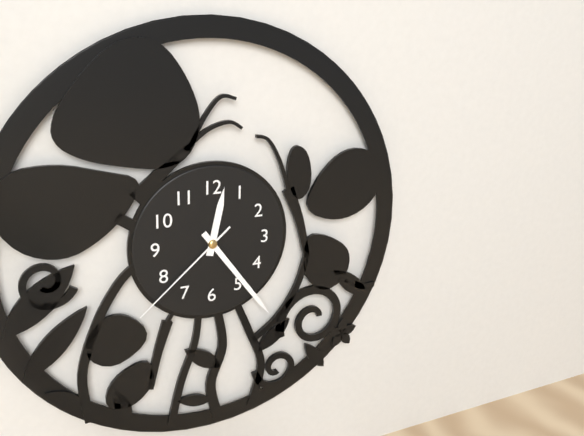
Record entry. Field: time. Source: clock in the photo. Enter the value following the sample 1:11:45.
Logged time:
12:24:38
